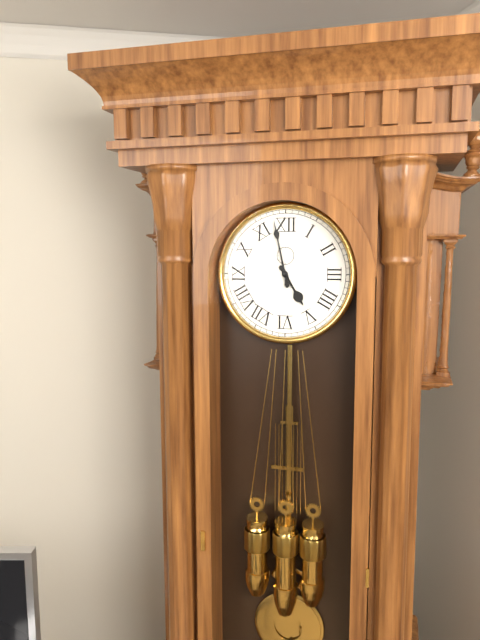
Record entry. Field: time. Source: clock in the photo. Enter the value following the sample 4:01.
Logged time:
4:58
